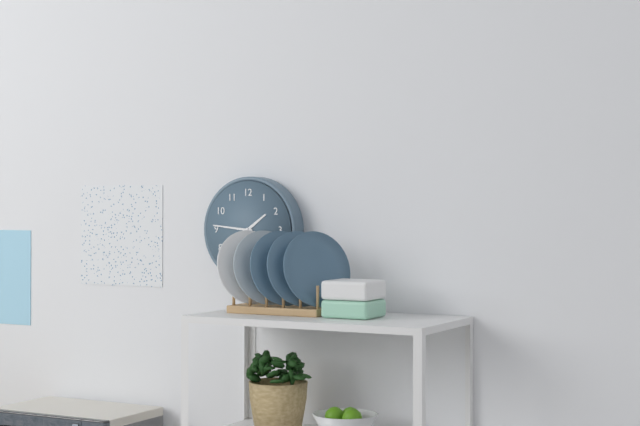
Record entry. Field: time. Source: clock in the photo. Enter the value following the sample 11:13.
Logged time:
1:46
